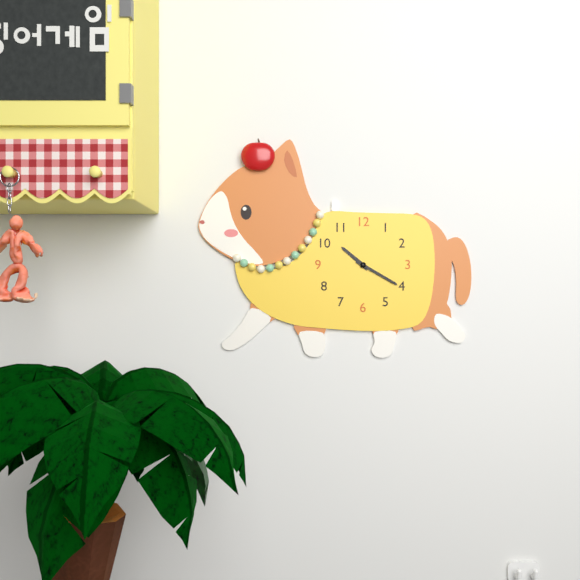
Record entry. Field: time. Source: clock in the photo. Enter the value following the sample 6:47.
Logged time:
10:20
